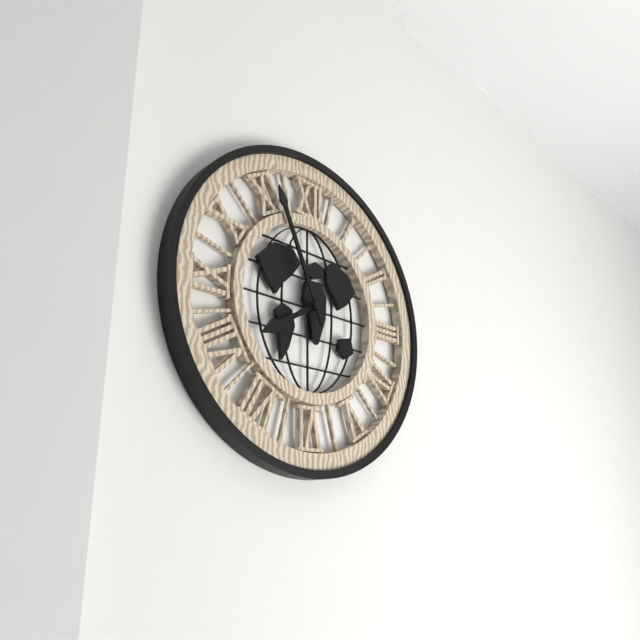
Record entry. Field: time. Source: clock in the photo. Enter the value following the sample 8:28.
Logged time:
7:56
